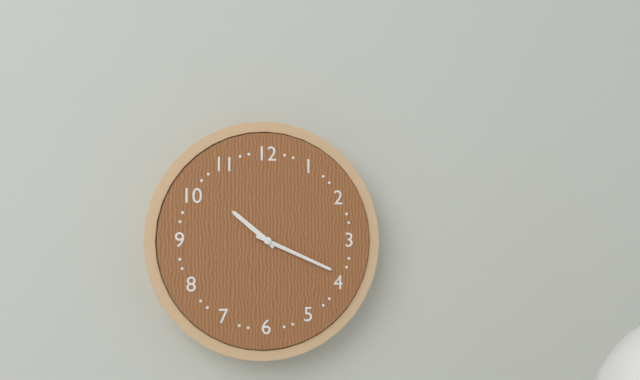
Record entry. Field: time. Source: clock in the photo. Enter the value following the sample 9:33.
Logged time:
10:19
